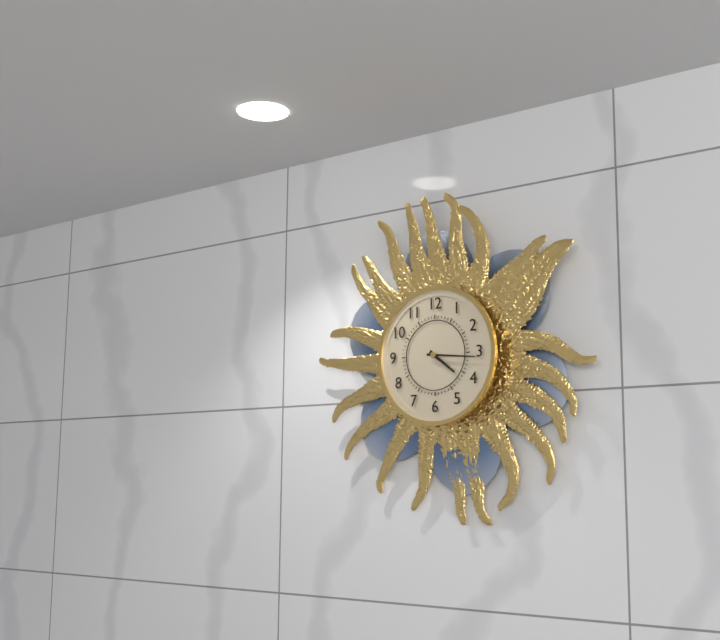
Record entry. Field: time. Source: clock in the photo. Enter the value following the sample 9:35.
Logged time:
4:16
